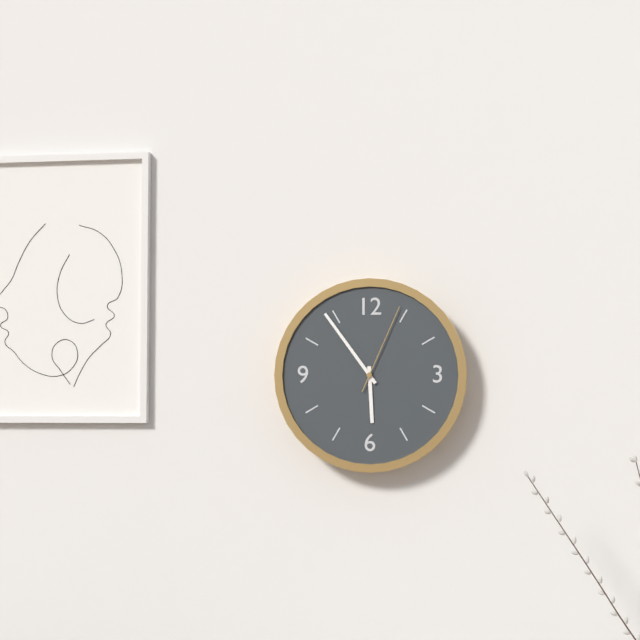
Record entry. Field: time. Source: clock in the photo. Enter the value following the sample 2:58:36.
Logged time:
5:54:04
